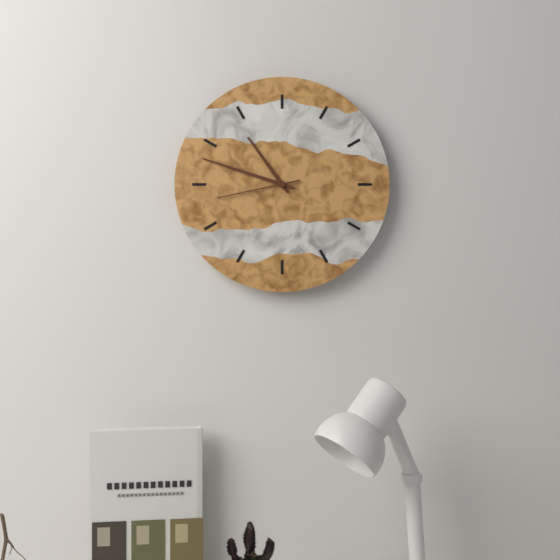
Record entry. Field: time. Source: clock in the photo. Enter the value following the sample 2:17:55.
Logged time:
10:48:43
